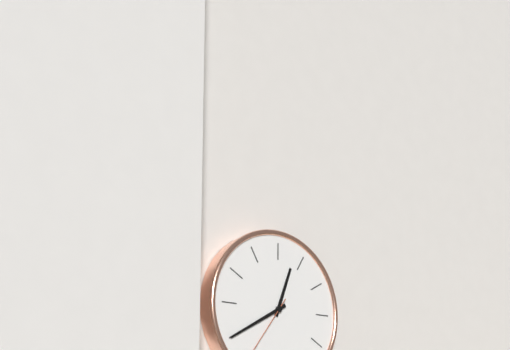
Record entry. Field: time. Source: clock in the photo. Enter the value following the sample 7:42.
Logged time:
12:40
